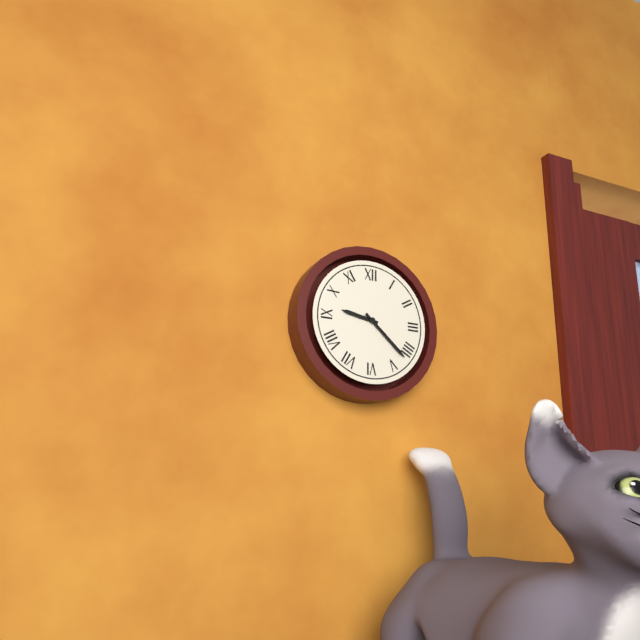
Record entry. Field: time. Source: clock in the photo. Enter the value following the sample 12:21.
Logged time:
9:22
